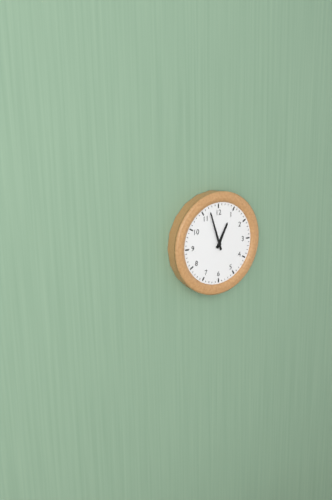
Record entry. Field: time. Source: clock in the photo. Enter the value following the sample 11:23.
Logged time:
12:57
